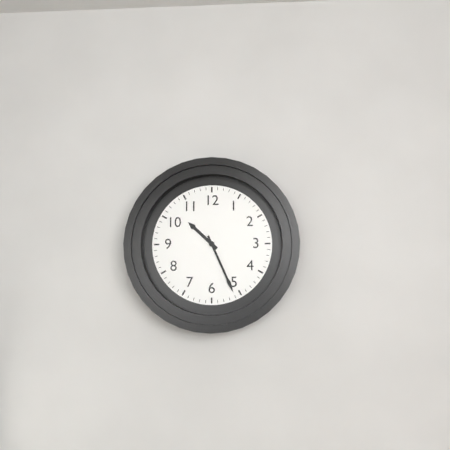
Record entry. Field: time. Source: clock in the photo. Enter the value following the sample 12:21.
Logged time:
10:26
